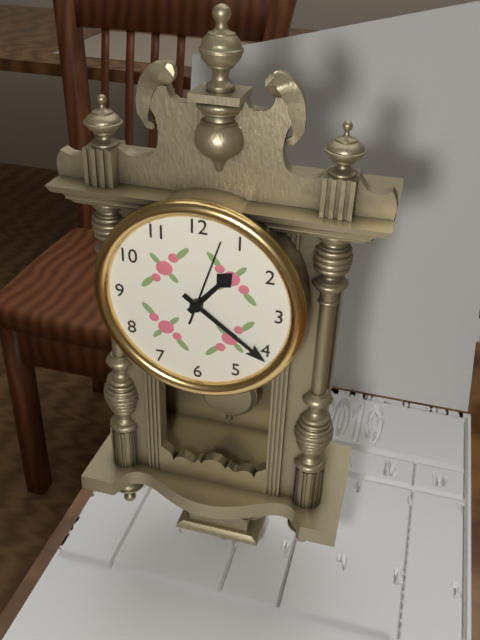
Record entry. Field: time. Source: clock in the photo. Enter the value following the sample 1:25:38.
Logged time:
1:21:03
